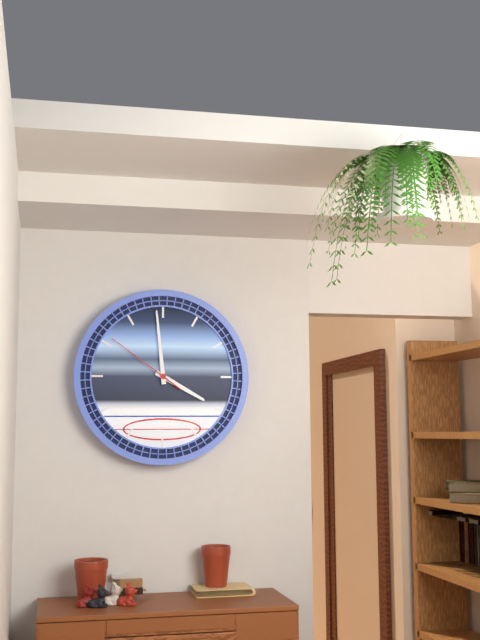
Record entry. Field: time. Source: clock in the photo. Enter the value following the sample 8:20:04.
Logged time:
3:59:51
